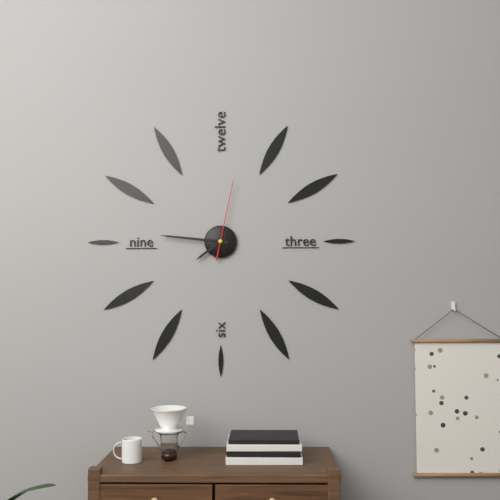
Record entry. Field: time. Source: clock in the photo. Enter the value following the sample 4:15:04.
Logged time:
7:46:02
